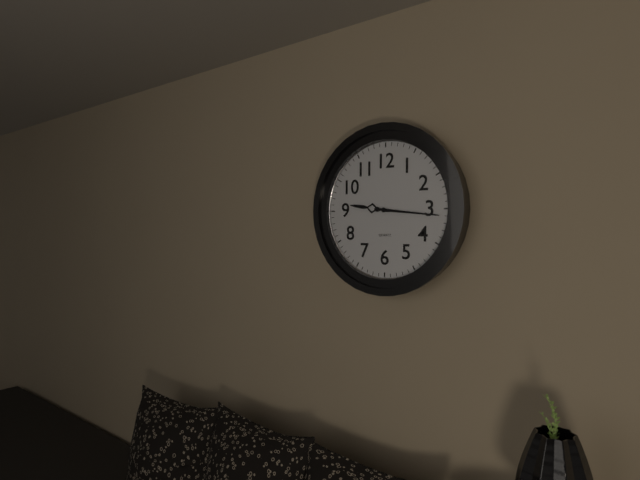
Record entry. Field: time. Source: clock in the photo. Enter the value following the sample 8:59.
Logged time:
9:16
